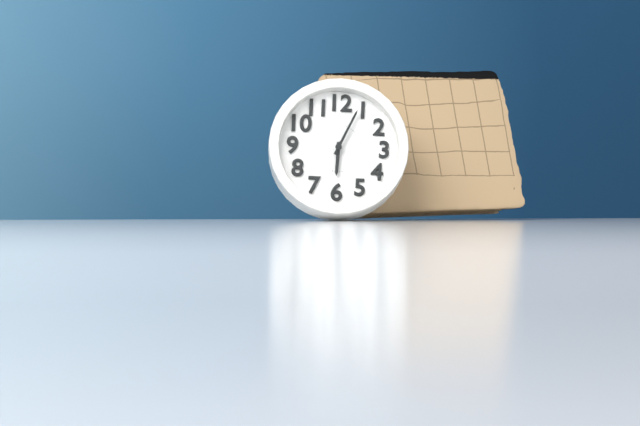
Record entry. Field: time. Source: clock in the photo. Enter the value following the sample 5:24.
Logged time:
6:04
